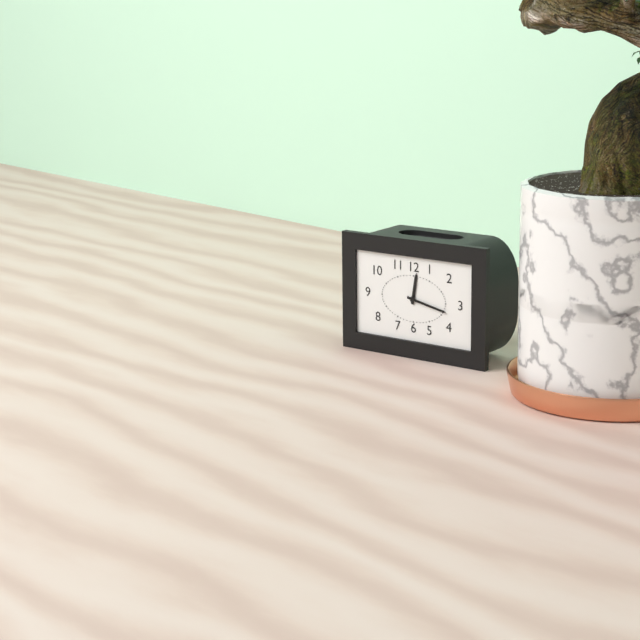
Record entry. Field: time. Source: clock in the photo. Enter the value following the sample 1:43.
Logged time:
12:17
